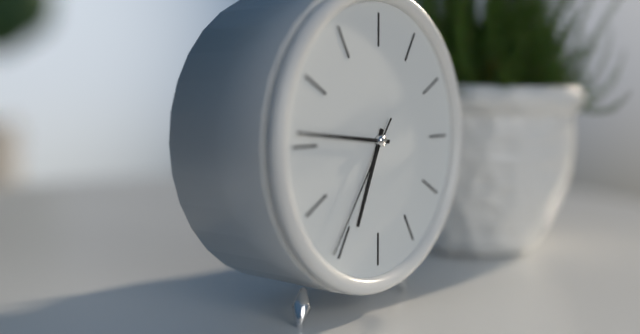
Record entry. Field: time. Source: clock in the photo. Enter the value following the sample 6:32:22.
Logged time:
6:46:36
